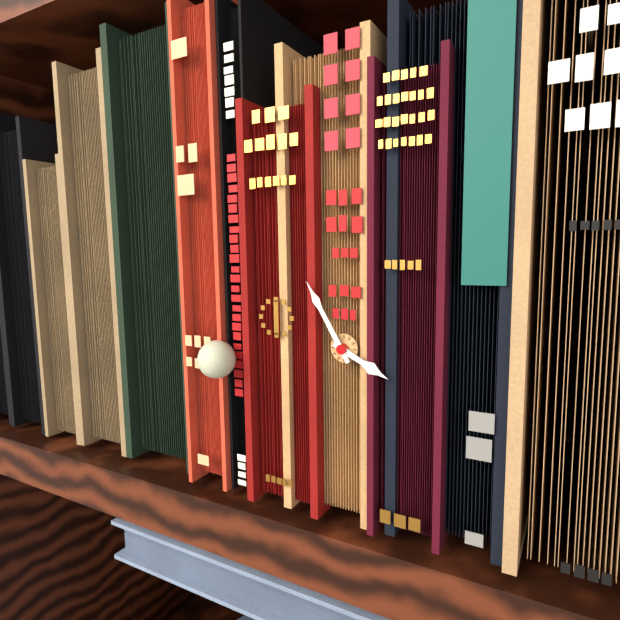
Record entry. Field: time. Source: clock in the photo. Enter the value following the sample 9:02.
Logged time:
3:55
